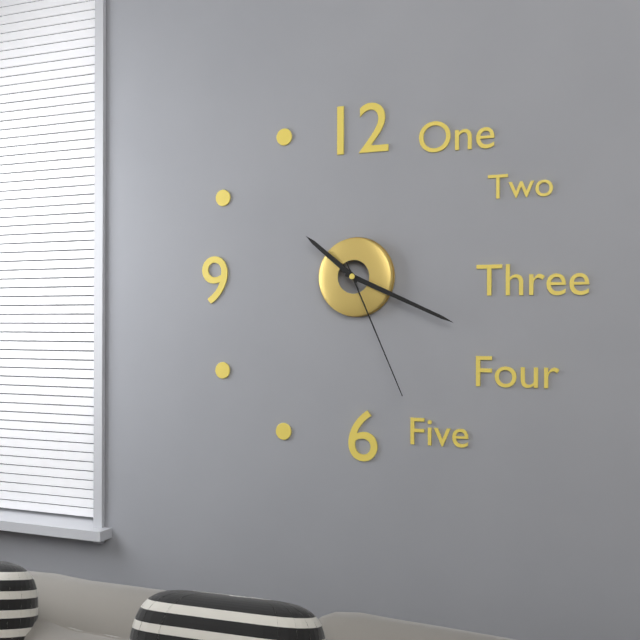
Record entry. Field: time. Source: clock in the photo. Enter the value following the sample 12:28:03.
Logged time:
10:19:26
